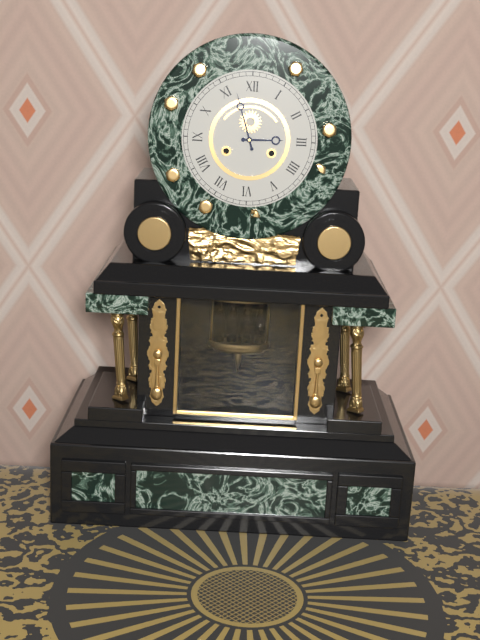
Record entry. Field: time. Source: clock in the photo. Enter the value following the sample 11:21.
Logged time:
2:57
